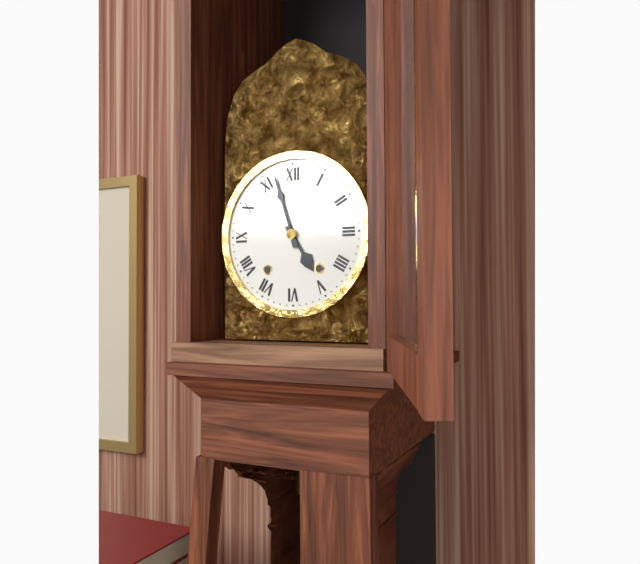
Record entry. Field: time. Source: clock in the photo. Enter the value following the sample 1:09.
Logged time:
4:57
